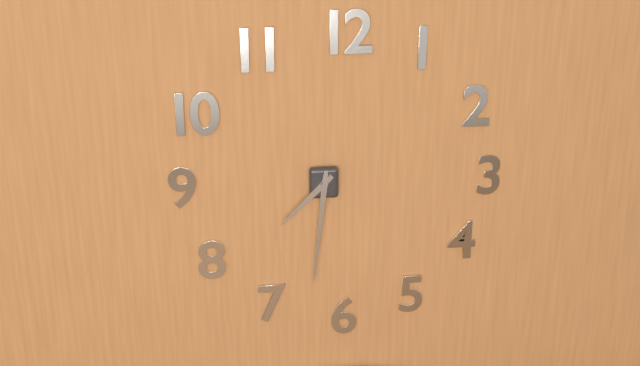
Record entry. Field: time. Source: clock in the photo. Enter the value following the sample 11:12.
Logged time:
7:31
